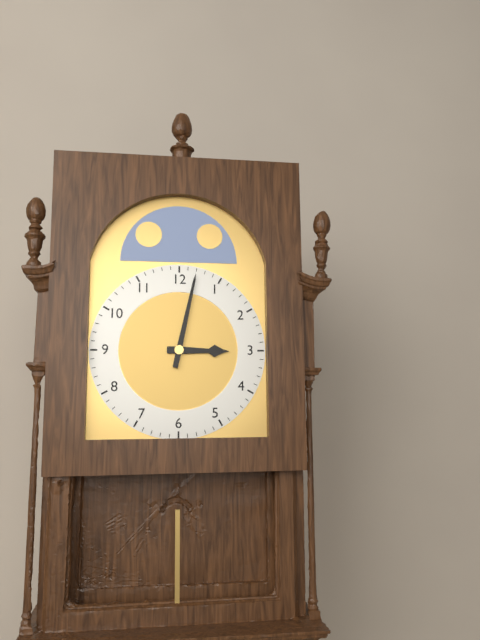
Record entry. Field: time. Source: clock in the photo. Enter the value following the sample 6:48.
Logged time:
3:02
